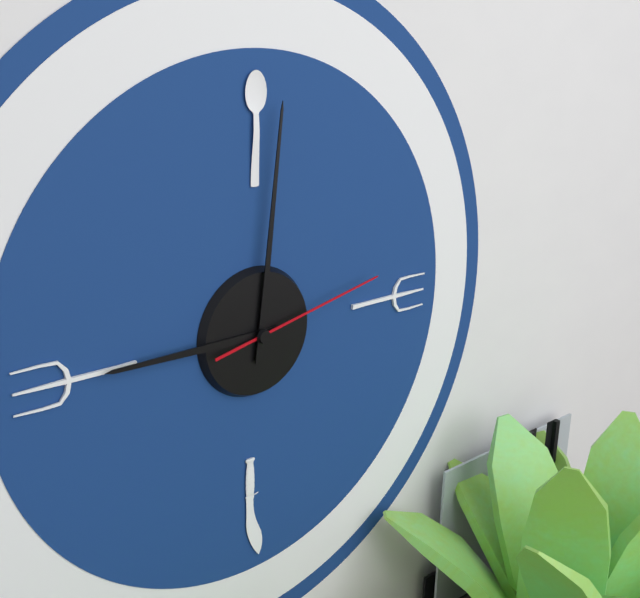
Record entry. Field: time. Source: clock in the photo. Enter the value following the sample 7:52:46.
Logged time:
9:01:13
